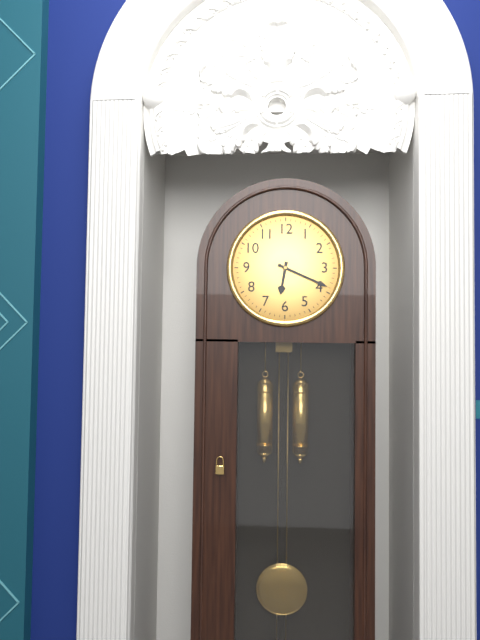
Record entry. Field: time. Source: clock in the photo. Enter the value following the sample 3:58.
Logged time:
6:19
